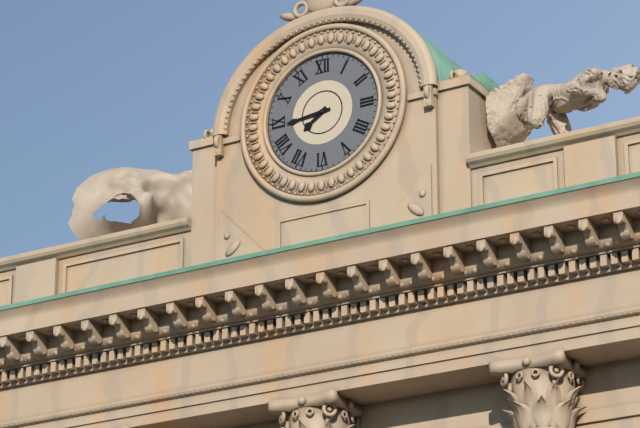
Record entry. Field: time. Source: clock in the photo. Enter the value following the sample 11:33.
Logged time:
7:44
